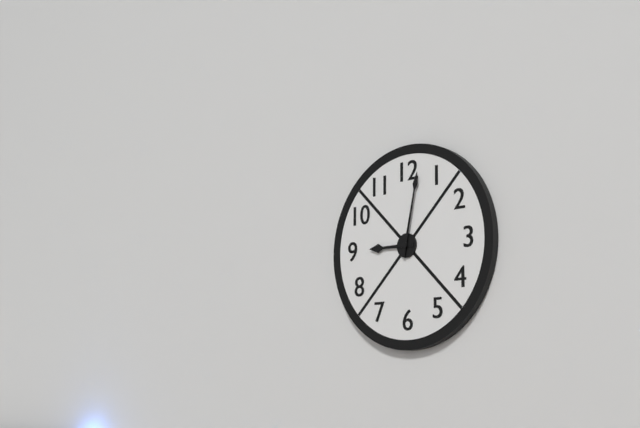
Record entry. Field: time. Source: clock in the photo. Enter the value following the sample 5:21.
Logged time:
9:02
